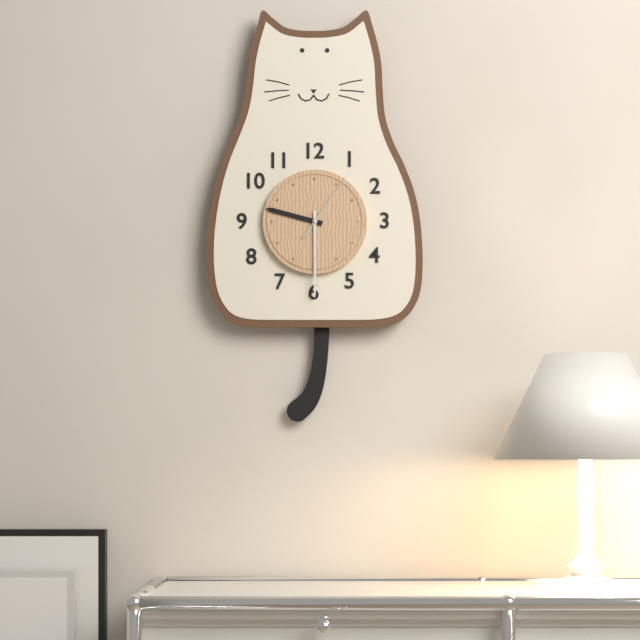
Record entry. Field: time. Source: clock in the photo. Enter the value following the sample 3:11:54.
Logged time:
9:30:06
